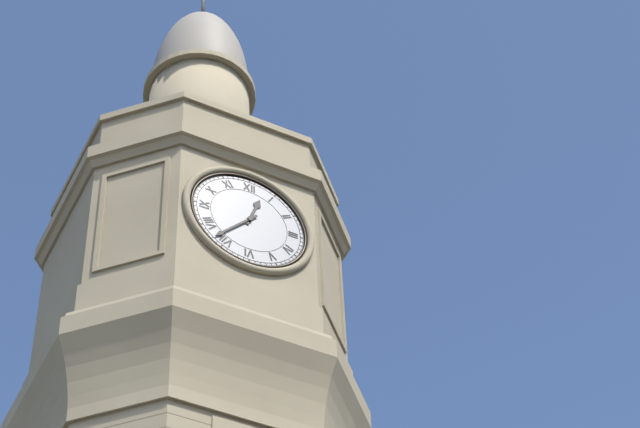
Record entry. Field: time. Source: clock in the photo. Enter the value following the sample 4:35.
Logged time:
12:37
